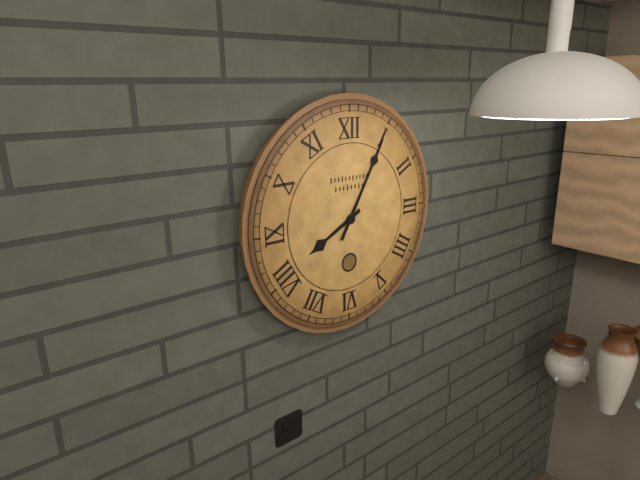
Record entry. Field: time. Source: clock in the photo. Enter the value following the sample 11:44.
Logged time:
8:05
